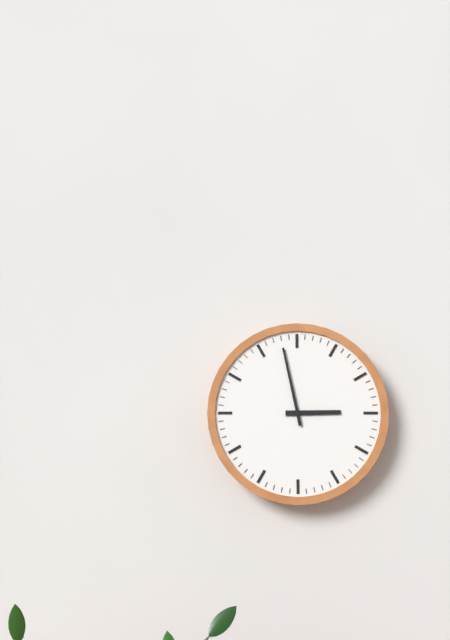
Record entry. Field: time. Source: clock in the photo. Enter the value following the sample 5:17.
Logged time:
2:58
